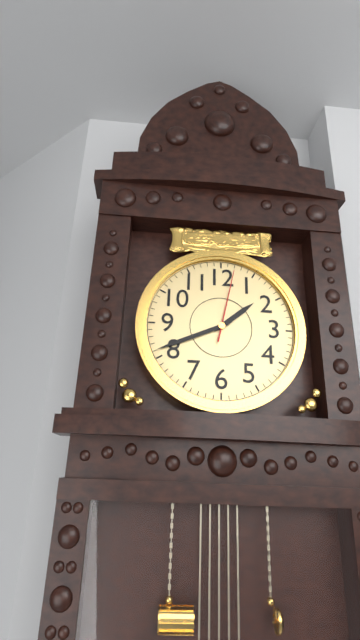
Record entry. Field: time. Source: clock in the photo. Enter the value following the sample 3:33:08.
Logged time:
1:41:02
